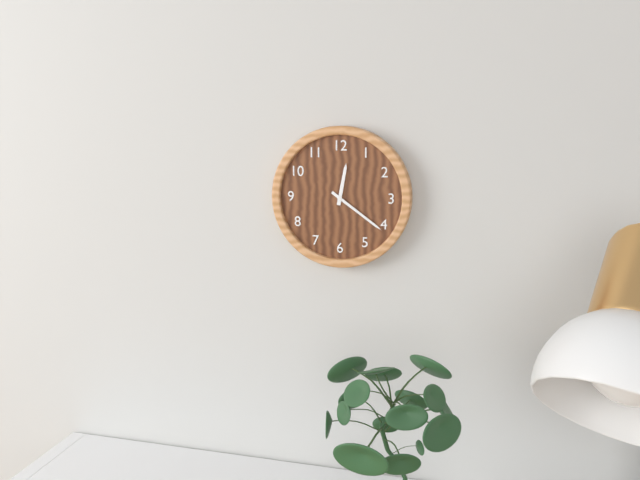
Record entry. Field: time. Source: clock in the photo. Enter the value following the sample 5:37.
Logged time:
12:21
